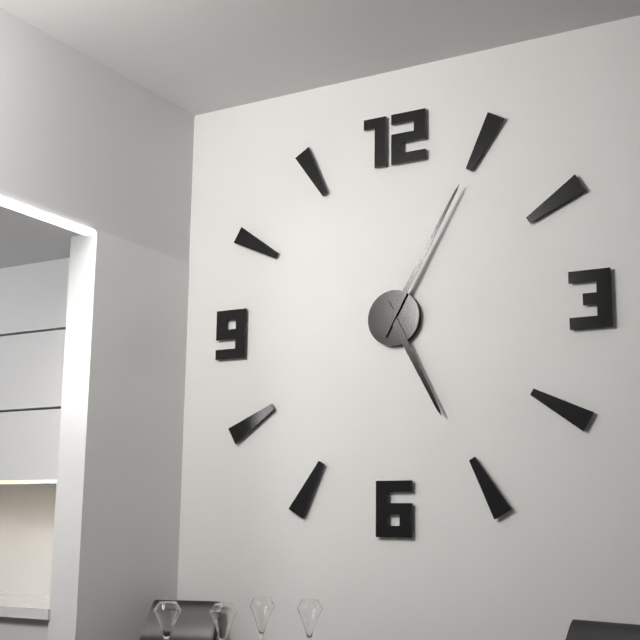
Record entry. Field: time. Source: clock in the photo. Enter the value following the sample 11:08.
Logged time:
5:05
